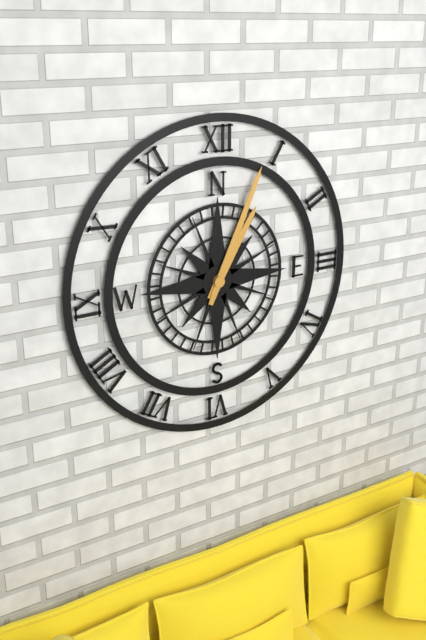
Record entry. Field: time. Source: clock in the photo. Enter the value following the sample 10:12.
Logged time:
1:04
